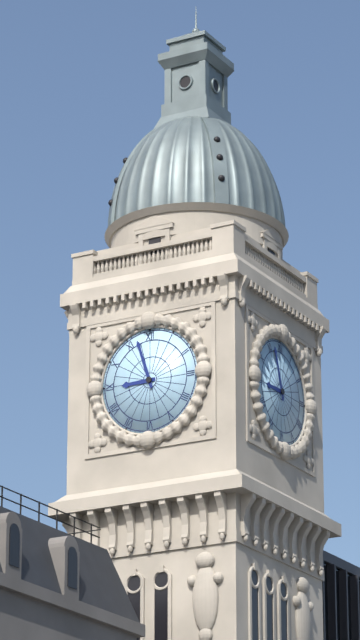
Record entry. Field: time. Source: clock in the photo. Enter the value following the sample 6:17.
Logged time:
8:57
